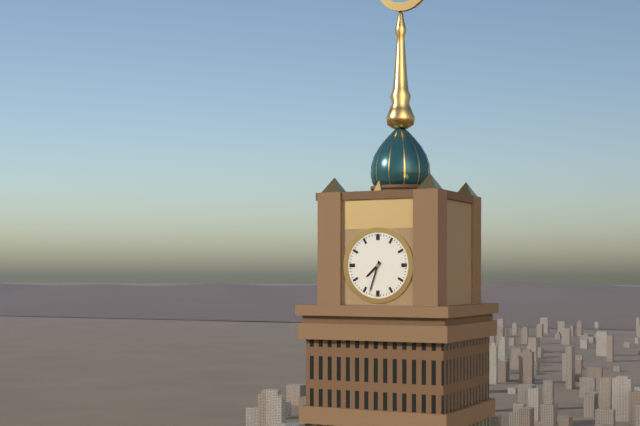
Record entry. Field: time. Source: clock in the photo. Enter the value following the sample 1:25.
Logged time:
7:33
